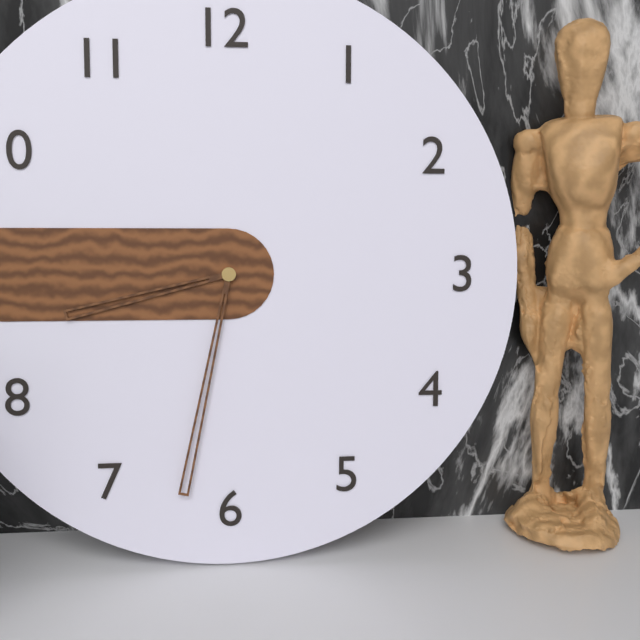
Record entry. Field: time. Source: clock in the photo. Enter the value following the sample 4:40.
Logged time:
8:32
